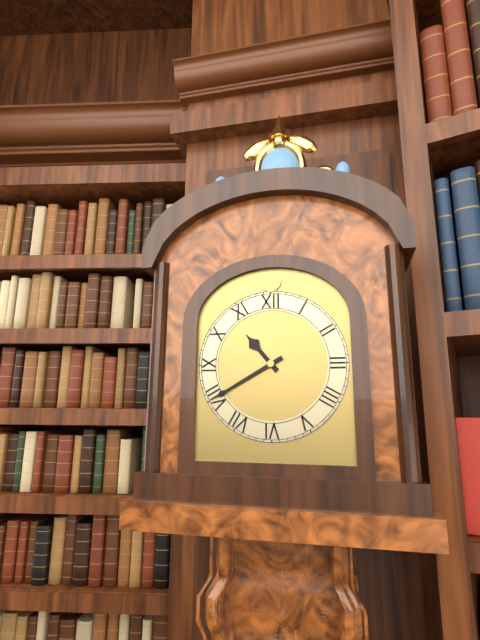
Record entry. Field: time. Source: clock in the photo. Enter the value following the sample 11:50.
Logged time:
10:40
